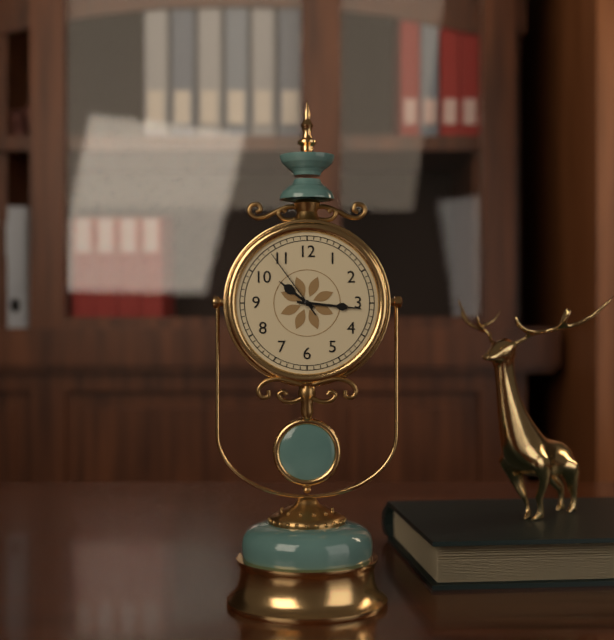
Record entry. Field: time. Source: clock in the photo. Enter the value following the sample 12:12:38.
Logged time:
10:16:54
